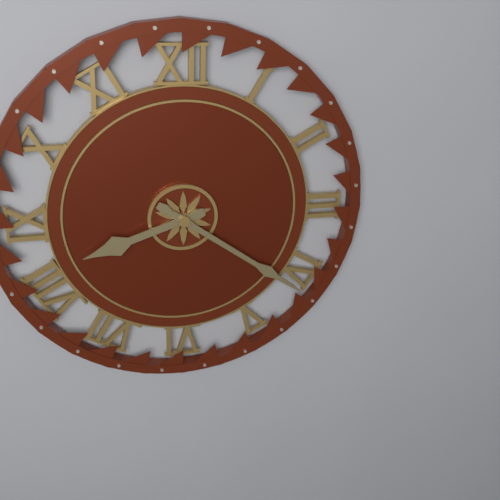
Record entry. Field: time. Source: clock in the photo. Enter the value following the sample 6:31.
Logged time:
8:21
